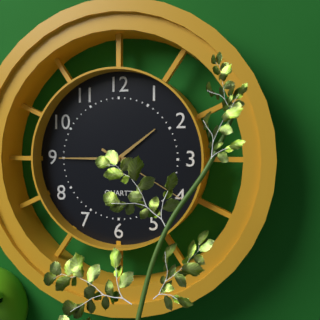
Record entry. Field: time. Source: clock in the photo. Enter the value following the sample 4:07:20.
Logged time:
1:45:20
